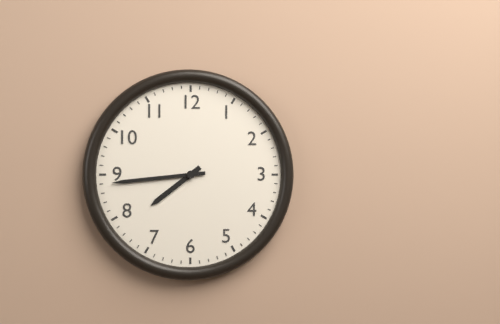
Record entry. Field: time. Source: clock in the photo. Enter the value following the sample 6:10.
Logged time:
7:44
